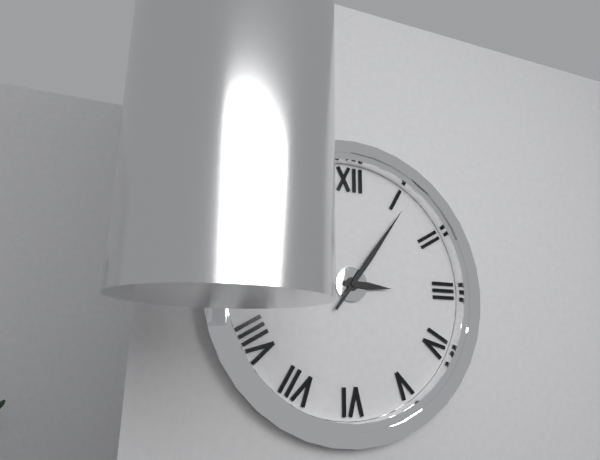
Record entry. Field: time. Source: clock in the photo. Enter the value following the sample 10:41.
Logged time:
3:06
